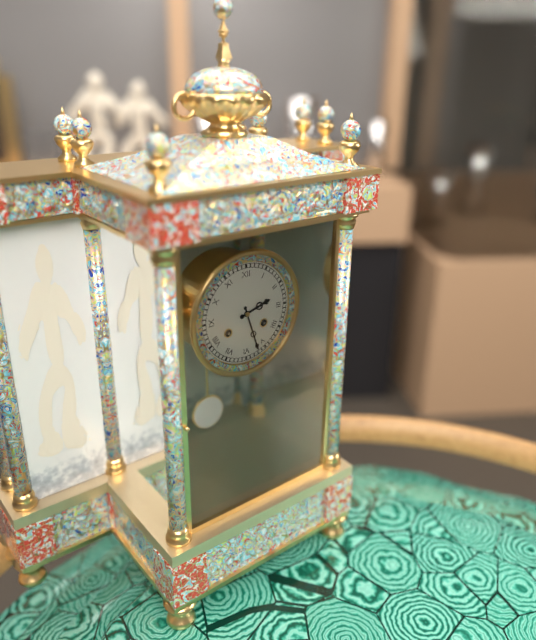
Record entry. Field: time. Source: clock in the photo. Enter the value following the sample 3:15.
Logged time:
2:27
